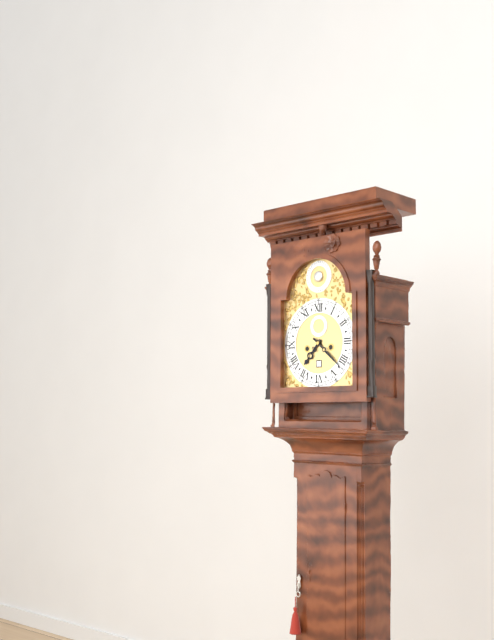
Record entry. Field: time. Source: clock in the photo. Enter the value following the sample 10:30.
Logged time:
7:22
